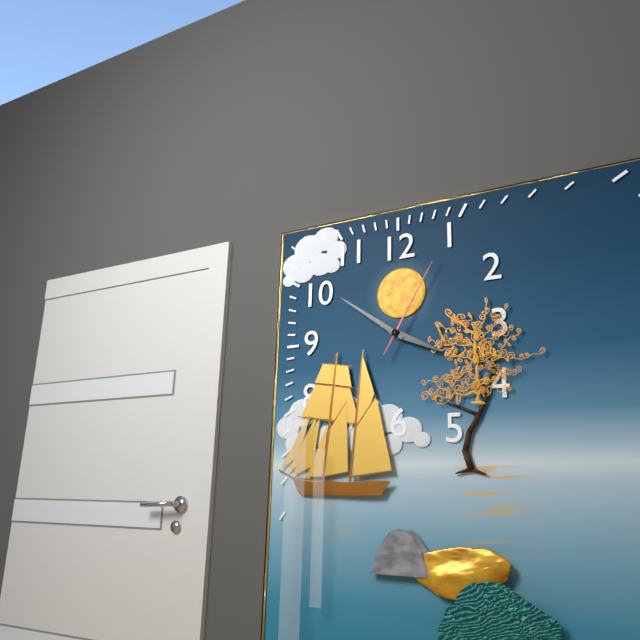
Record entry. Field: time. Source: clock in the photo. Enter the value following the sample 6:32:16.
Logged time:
3:51:05
